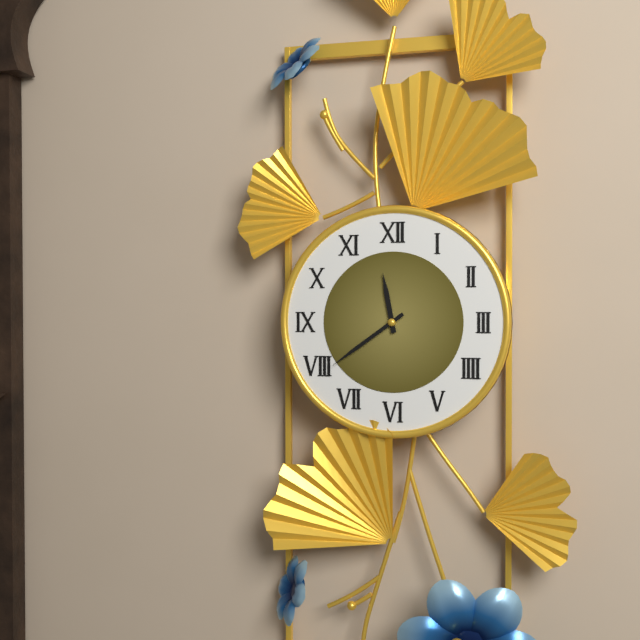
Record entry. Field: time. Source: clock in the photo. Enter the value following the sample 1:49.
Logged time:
11:39
